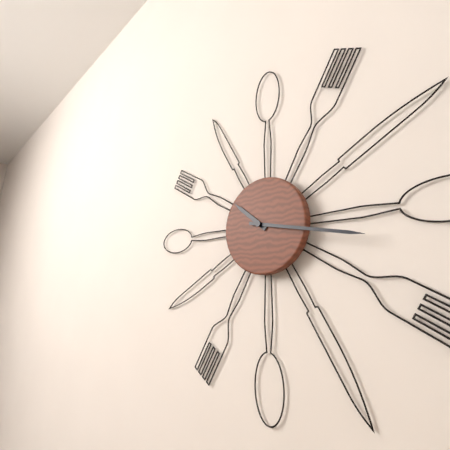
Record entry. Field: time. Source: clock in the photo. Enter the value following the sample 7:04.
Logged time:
10:17
